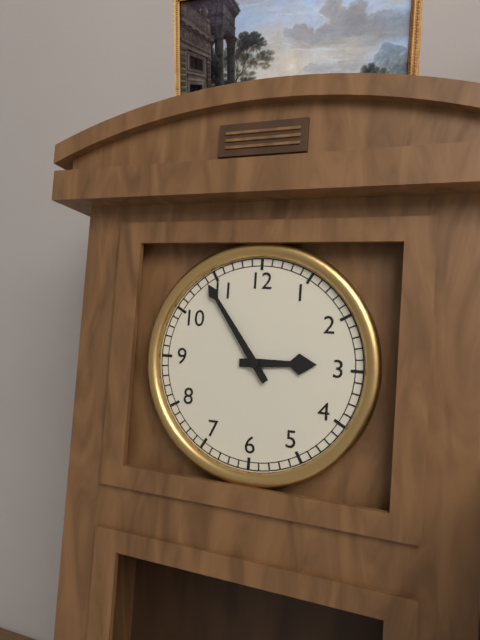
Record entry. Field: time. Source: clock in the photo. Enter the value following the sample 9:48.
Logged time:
2:54
